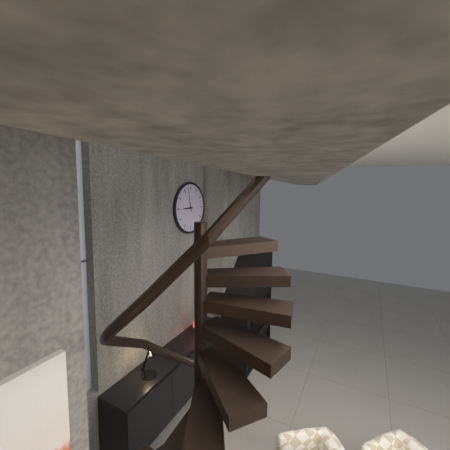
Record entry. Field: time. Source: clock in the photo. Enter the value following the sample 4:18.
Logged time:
8:58
